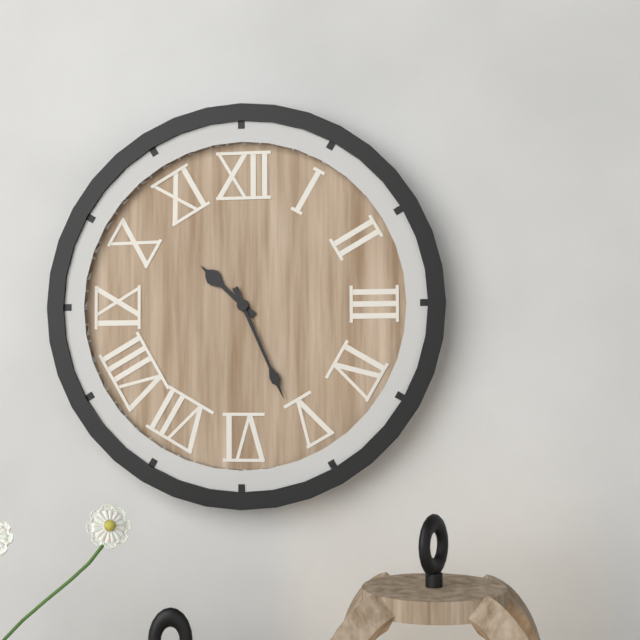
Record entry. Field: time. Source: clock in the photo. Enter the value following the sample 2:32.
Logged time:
10:26
